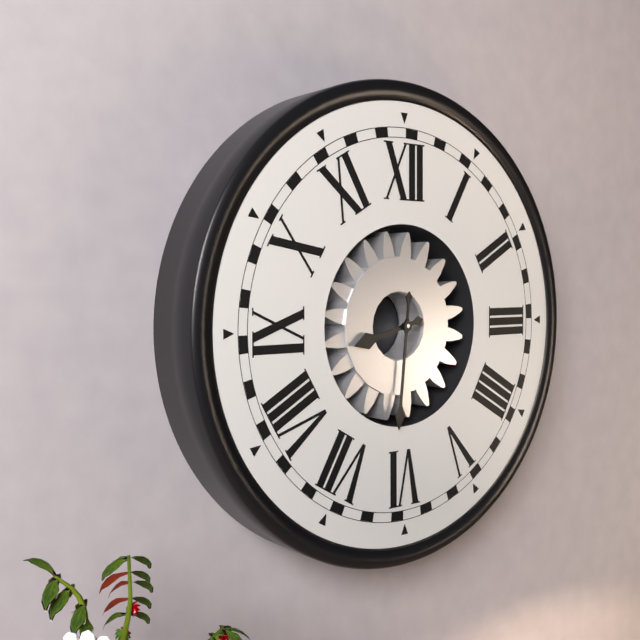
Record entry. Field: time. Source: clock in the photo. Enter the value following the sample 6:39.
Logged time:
8:31
